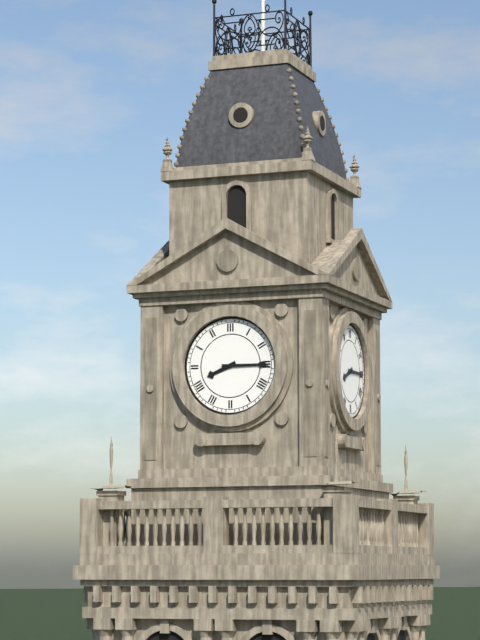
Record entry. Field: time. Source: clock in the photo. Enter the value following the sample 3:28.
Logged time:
8:15
